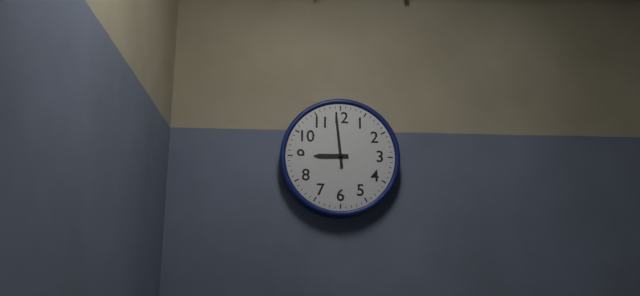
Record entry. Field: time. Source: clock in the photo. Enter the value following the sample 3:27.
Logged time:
8:59
